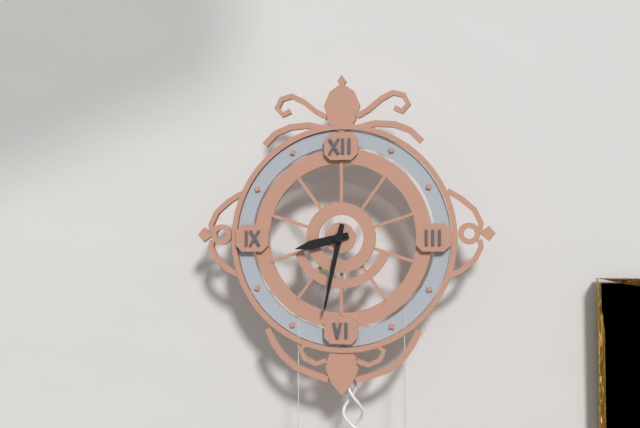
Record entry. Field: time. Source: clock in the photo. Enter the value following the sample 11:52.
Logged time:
8:32
